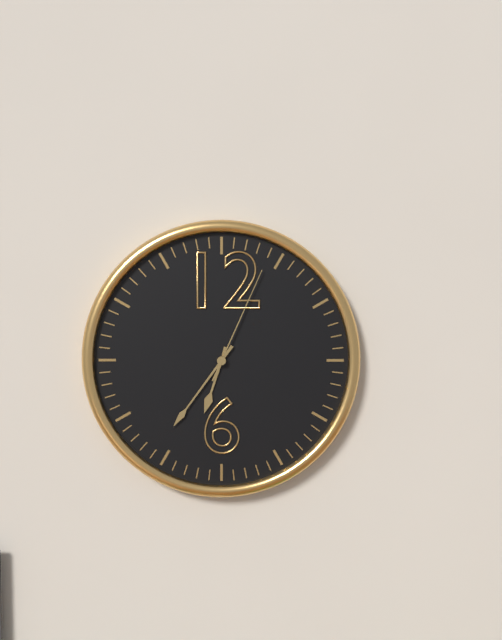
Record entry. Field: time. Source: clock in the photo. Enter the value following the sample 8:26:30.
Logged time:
6:36:04
